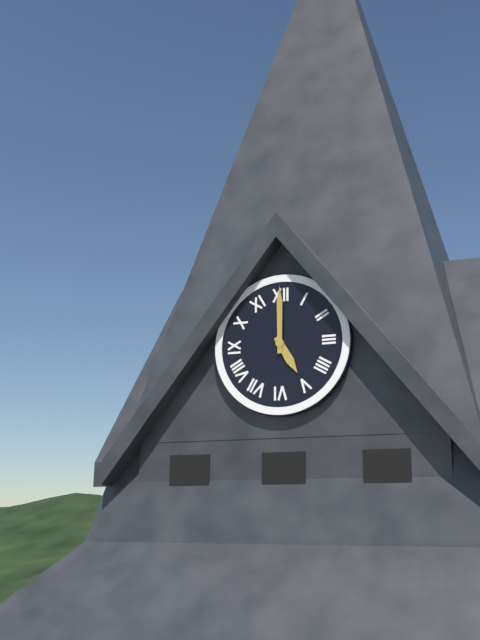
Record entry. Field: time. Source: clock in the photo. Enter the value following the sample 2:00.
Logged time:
5:00
